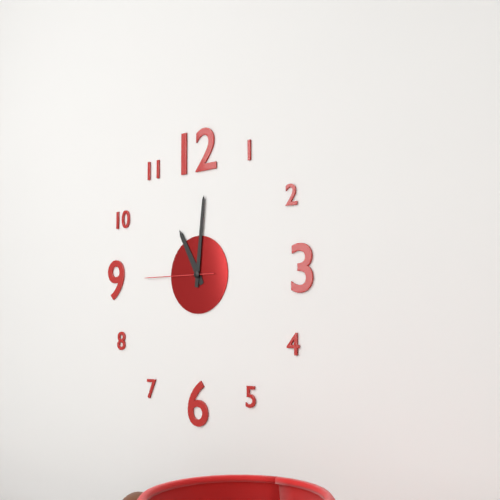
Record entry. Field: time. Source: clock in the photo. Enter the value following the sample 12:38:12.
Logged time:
11:01:45
